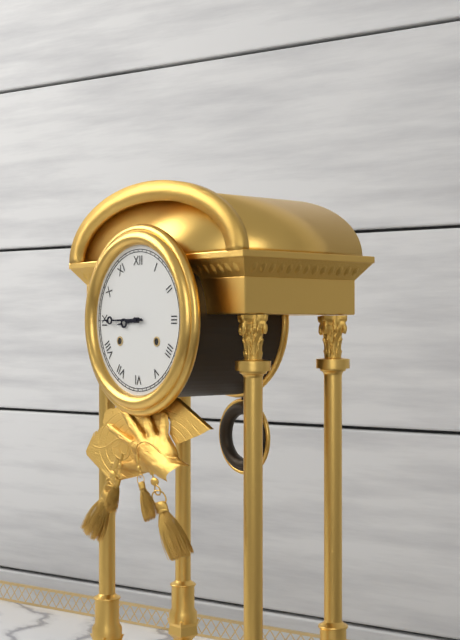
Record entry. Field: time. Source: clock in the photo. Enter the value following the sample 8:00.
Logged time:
8:45
